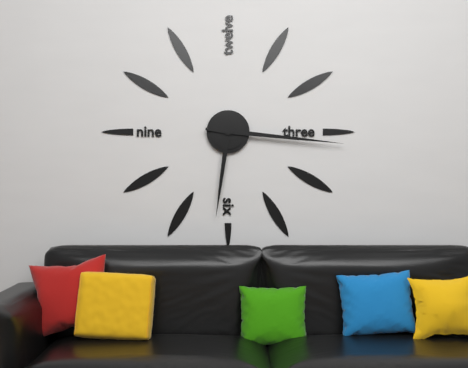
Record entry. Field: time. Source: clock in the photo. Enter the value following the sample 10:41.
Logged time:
6:16
